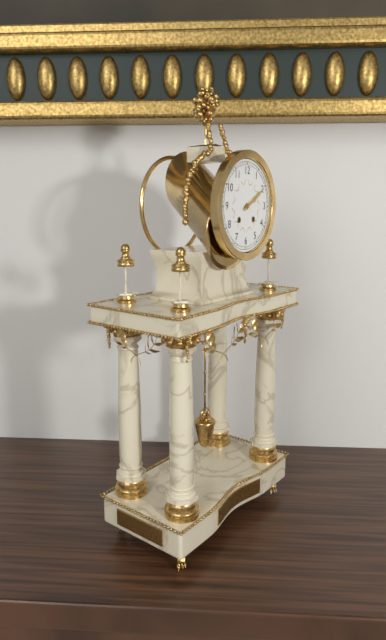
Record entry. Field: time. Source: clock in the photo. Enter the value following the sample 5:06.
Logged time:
2:10
